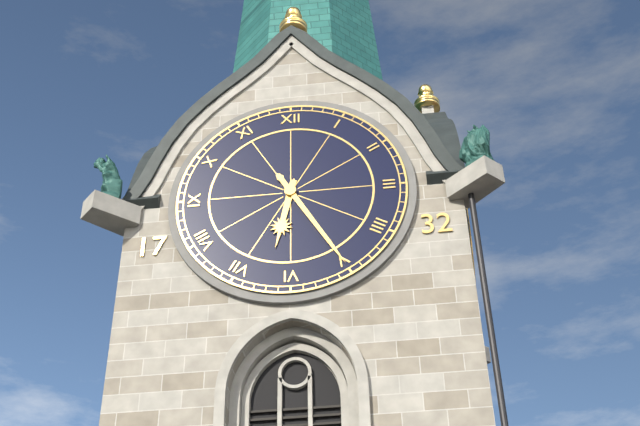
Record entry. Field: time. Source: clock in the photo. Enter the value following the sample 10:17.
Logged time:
6:25
